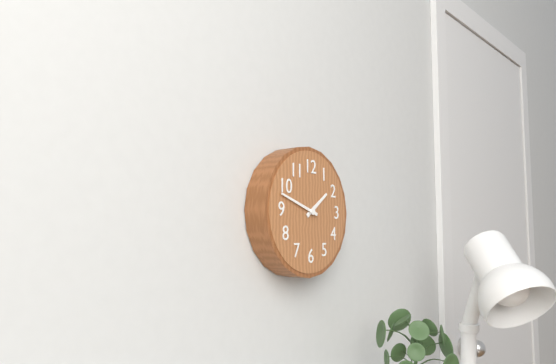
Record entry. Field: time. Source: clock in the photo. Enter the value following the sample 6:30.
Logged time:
1:48
